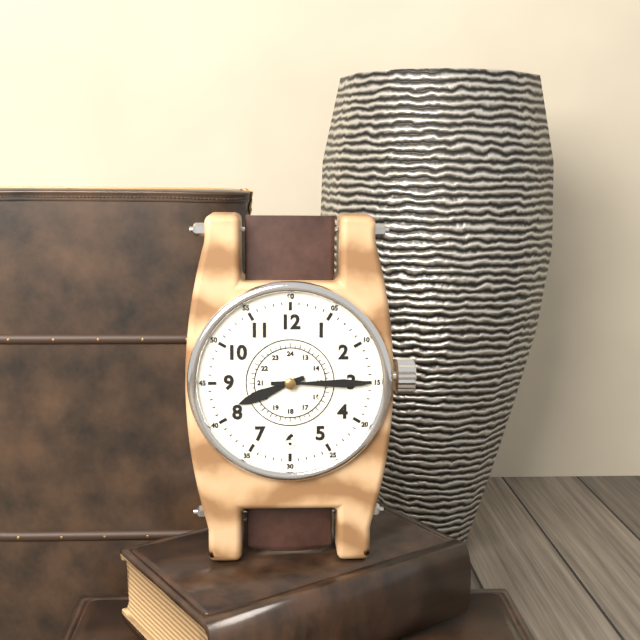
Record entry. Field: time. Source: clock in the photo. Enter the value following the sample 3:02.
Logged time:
8:15
